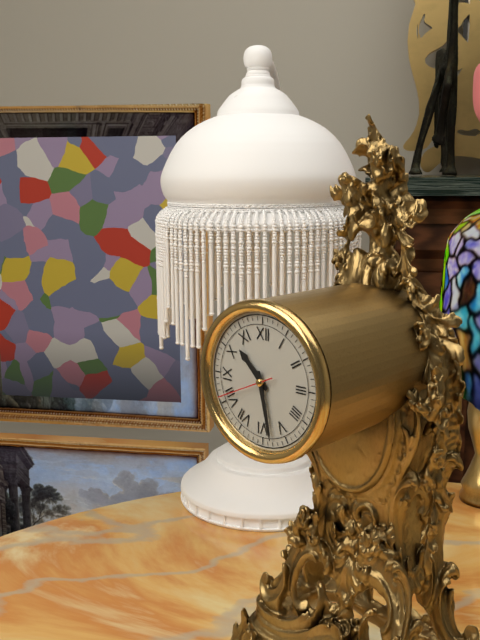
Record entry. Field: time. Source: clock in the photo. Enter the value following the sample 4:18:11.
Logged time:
10:28:41
